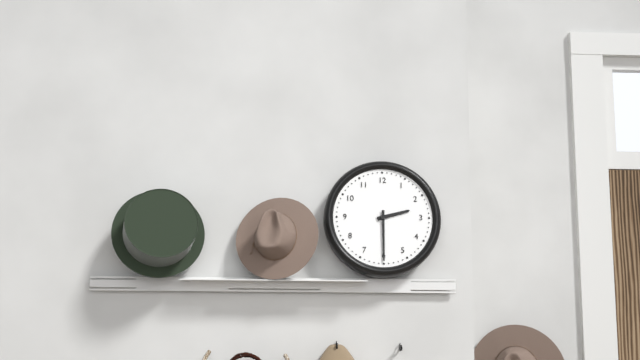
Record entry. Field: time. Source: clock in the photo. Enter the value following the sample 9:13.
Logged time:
2:30
